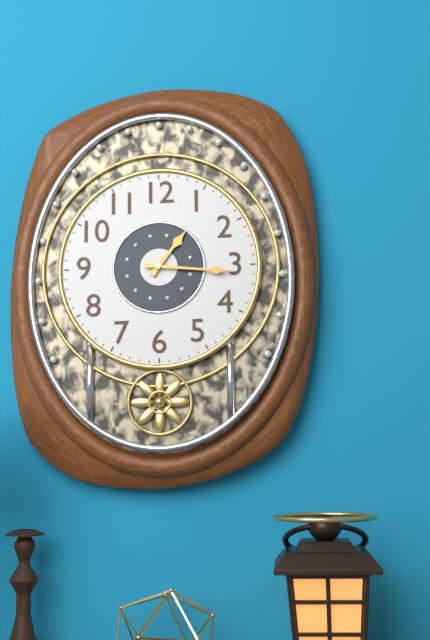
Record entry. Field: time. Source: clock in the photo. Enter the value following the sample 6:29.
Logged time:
1:16
